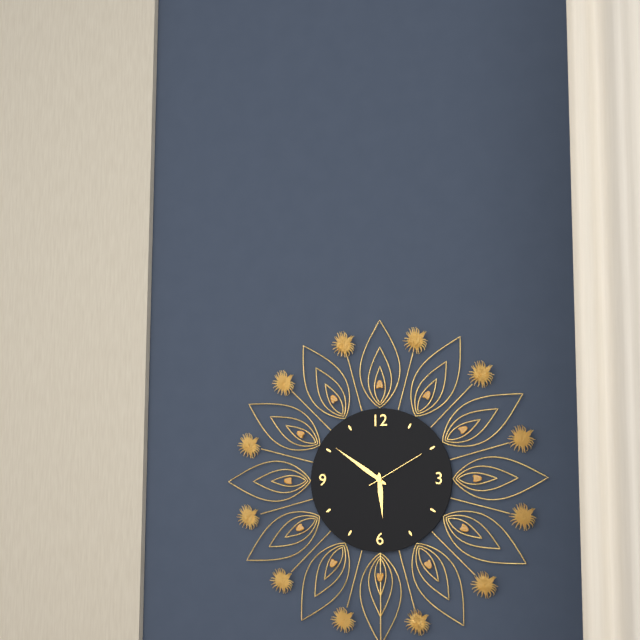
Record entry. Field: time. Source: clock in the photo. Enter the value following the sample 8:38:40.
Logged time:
5:51:10
